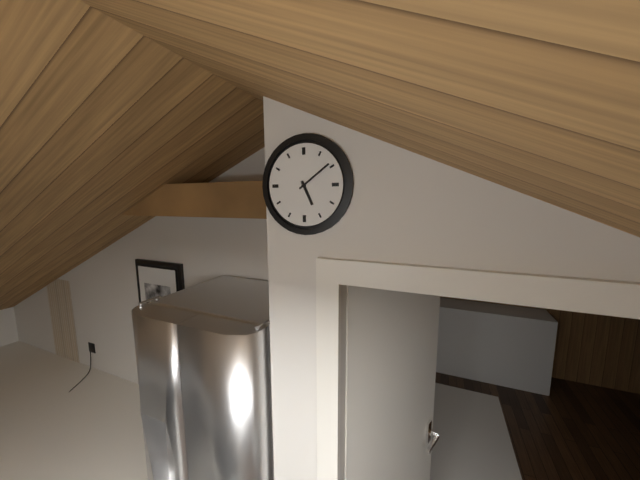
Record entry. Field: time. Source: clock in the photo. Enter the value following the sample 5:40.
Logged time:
5:09
